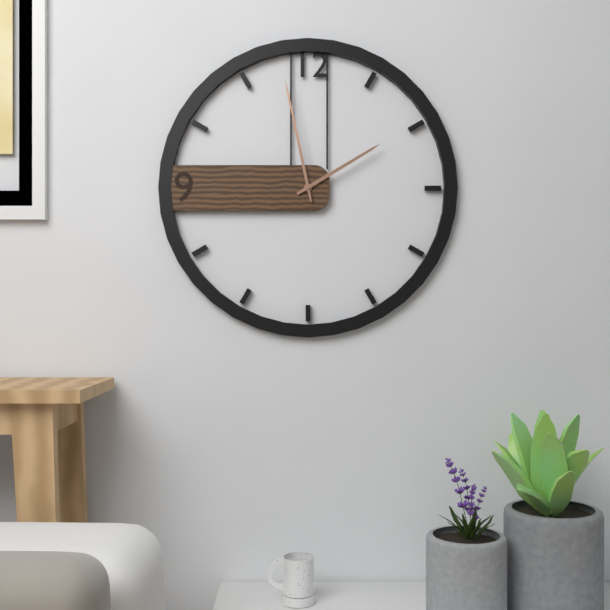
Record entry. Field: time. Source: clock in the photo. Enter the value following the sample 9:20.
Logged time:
1:58
